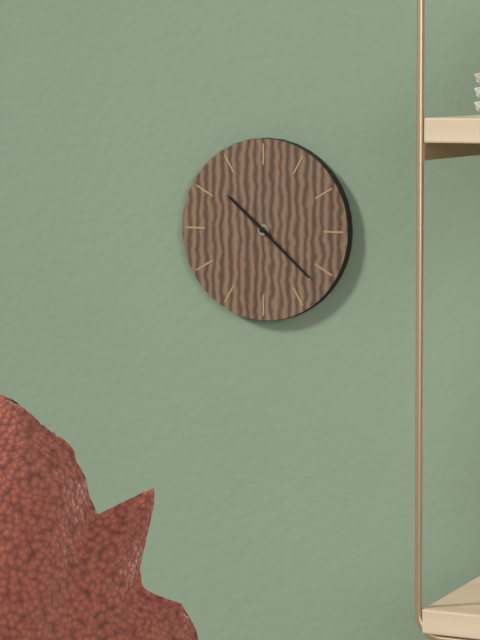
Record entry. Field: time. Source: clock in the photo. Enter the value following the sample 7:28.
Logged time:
10:22
